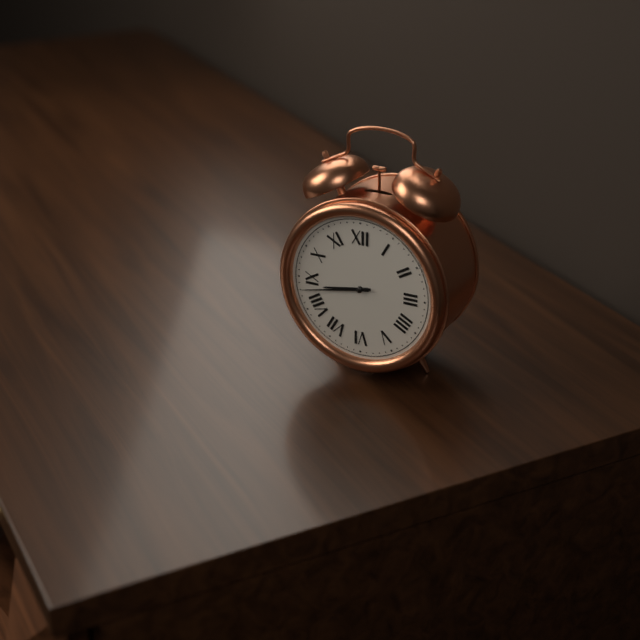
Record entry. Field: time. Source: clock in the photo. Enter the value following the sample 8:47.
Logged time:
8:43
